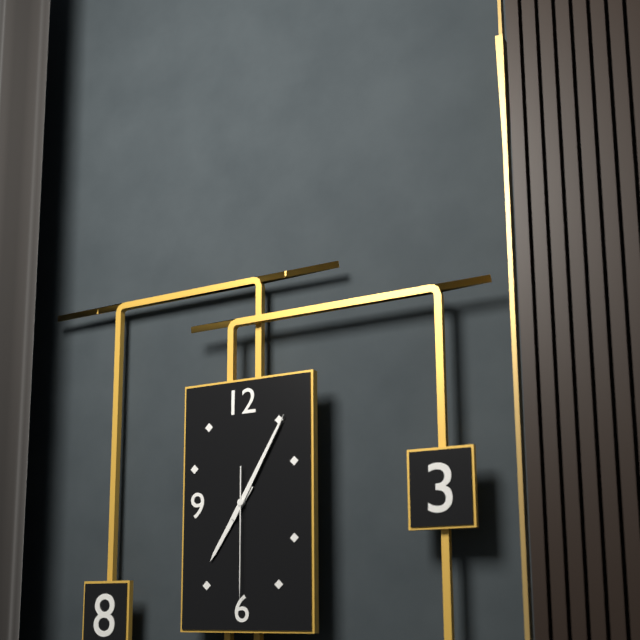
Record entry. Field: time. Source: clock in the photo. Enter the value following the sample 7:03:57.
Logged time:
7:05:30
